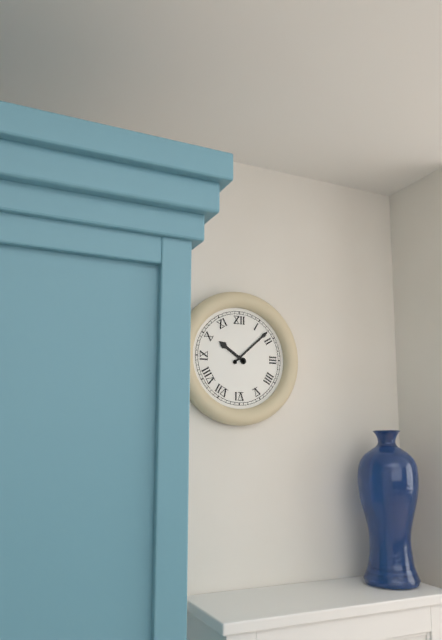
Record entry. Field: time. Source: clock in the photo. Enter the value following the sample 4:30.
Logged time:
10:08
